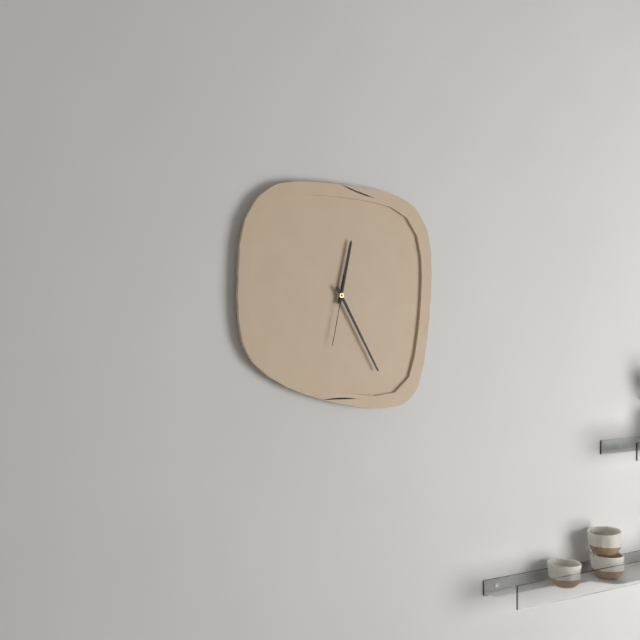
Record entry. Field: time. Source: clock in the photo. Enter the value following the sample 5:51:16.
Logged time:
12:25:32
